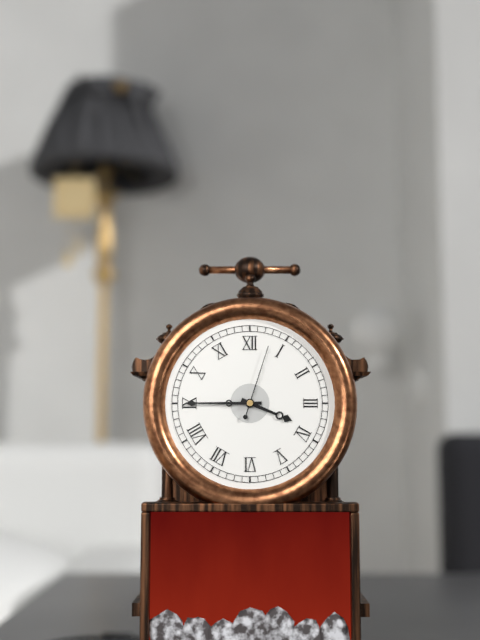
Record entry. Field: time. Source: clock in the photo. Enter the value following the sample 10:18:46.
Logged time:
3:45:03
